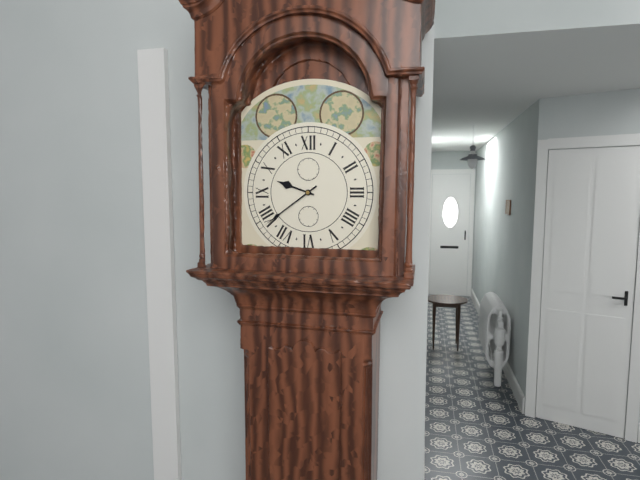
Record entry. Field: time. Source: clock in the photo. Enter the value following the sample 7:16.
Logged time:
9:39
